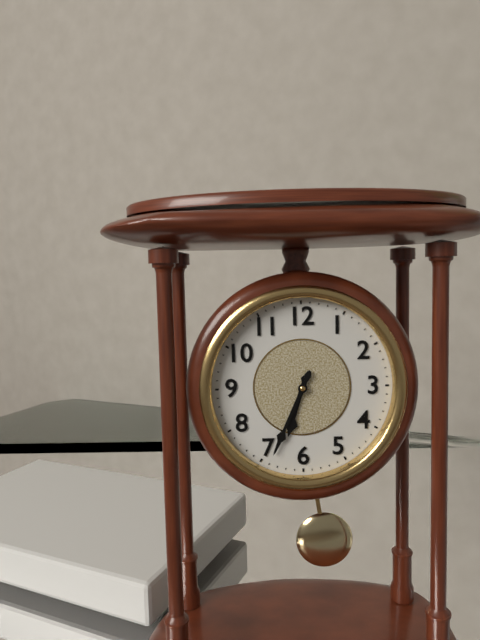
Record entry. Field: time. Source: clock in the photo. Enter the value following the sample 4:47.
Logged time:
6:34
